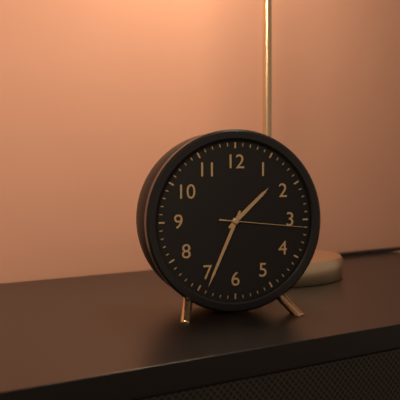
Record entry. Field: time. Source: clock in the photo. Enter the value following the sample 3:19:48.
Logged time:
1:34:16
